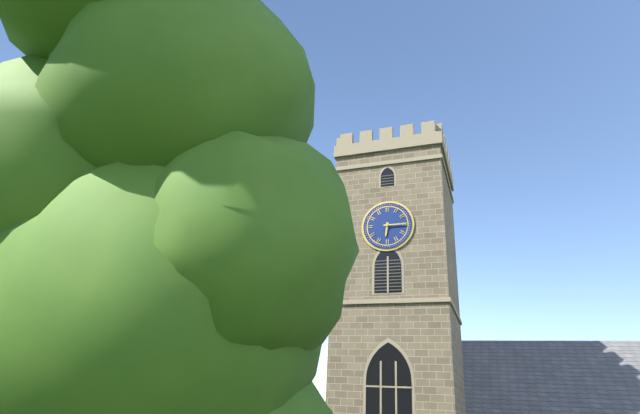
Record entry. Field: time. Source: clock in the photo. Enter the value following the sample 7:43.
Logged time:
6:15
